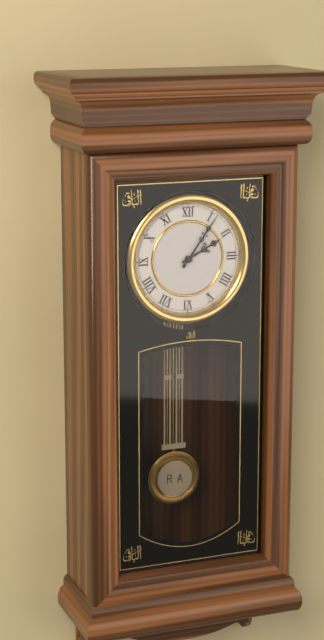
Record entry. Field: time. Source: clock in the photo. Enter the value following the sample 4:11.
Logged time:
2:06
